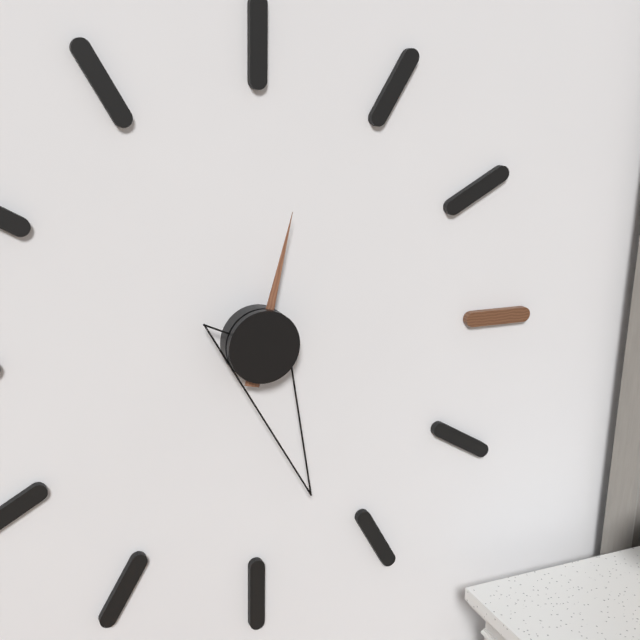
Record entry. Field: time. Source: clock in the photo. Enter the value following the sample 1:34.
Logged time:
12:27
